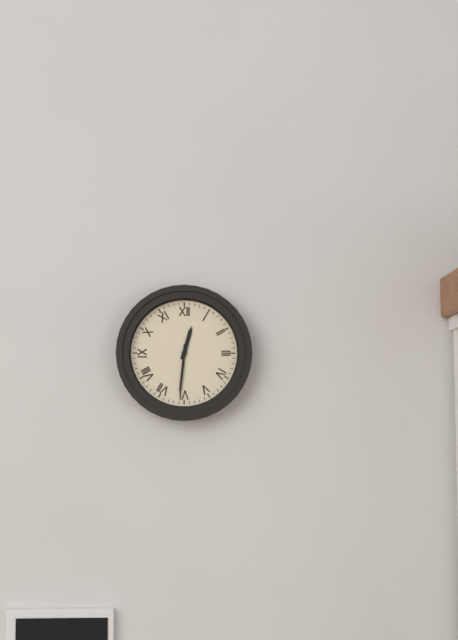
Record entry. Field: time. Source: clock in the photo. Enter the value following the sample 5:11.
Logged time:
12:31
